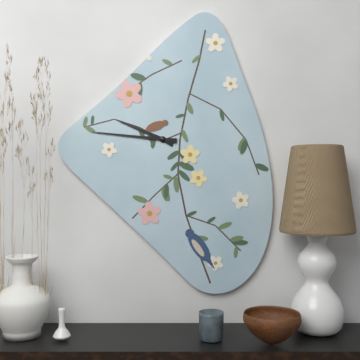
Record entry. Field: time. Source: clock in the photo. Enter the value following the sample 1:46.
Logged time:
9:46
